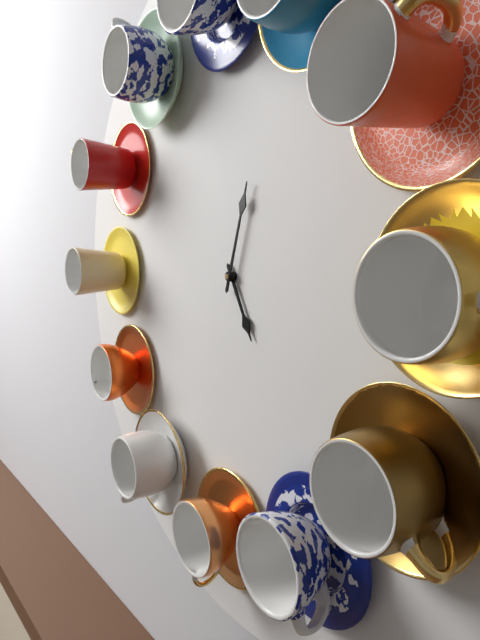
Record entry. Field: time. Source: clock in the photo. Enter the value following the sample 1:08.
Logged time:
5:03
